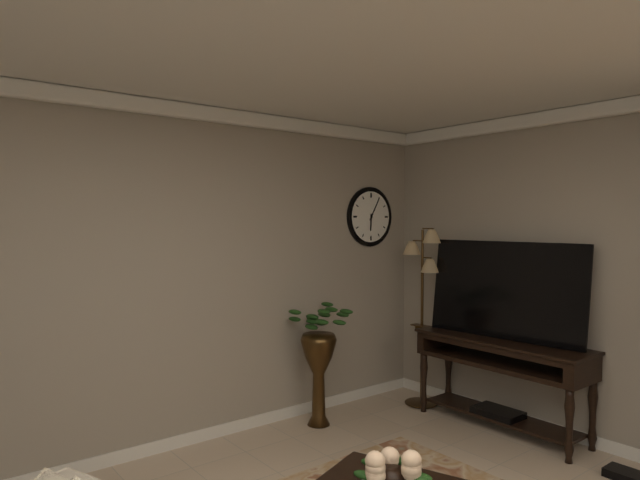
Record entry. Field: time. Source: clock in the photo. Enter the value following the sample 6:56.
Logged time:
6:05
